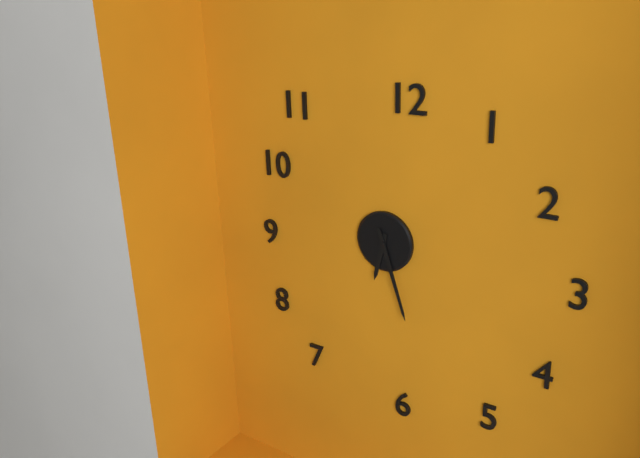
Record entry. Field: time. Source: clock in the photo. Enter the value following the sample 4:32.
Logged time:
6:27
